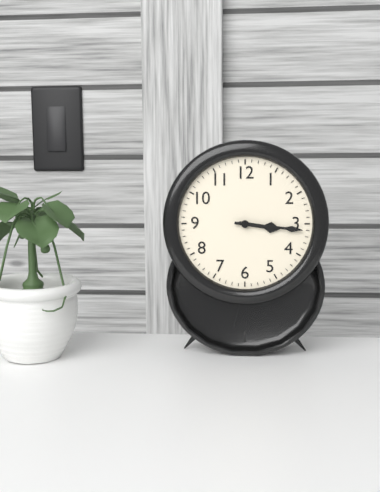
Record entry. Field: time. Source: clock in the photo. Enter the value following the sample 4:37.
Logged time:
3:16
